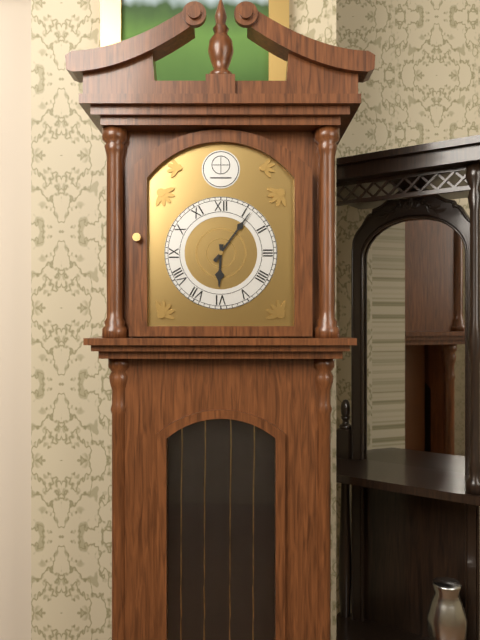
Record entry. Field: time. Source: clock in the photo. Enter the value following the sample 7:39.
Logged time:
6:06
